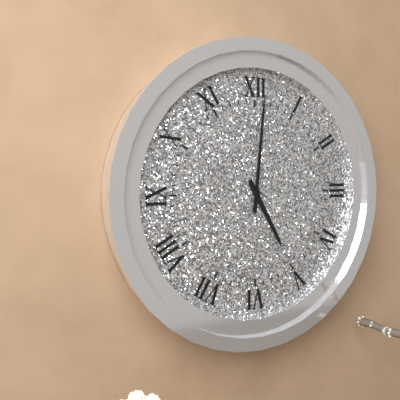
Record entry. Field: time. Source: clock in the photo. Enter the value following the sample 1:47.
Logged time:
5:01
